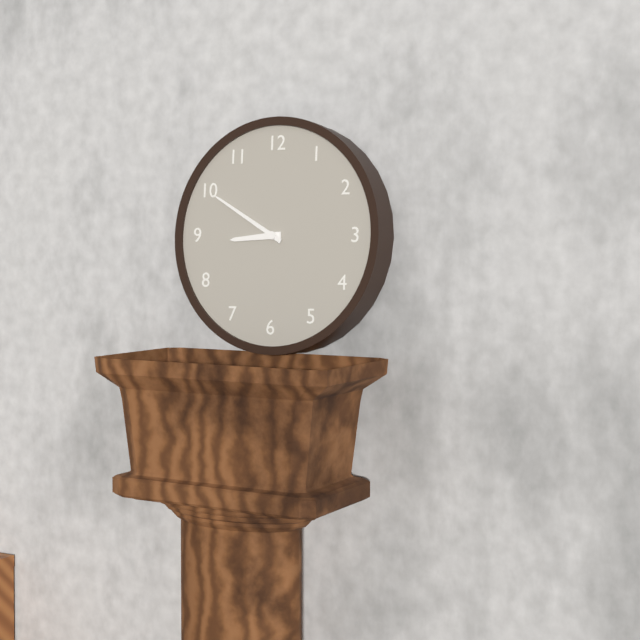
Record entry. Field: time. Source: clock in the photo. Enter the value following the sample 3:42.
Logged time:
8:50
